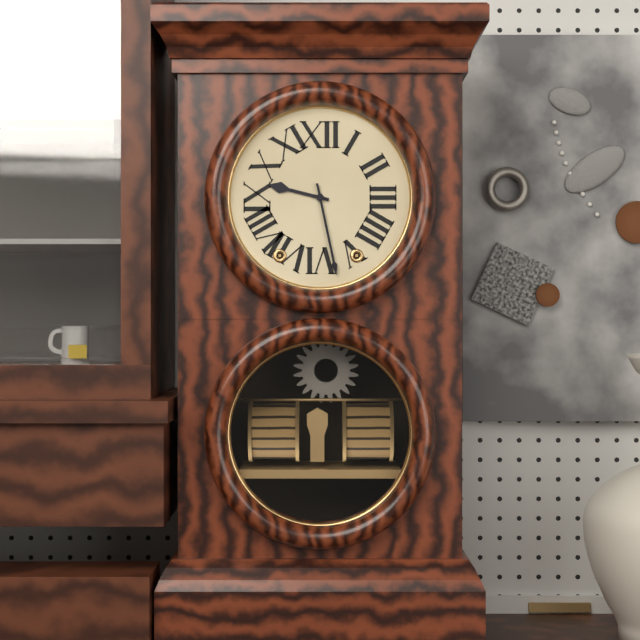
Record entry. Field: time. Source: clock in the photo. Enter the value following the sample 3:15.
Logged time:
9:28
